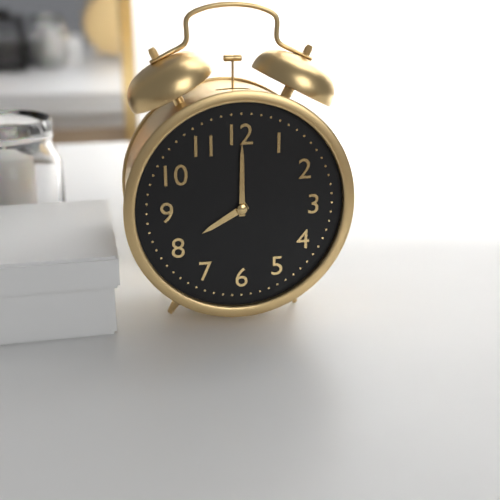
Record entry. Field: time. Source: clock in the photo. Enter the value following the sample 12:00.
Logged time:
8:00
